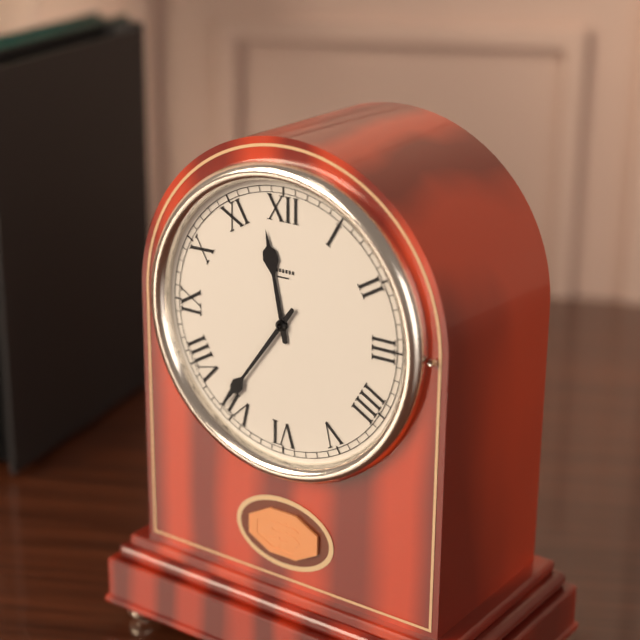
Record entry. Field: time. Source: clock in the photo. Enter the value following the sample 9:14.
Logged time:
11:36
